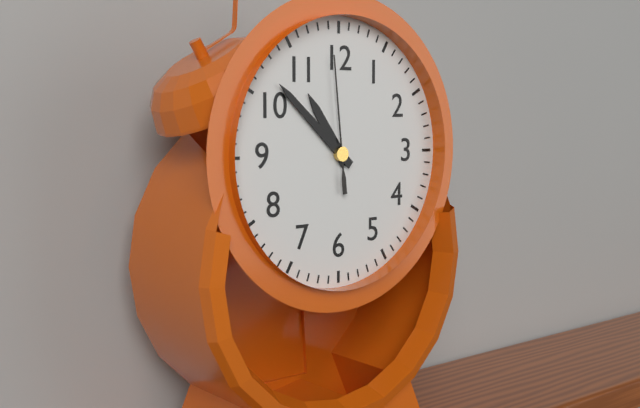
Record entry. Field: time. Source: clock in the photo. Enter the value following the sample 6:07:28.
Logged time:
10:52:59
